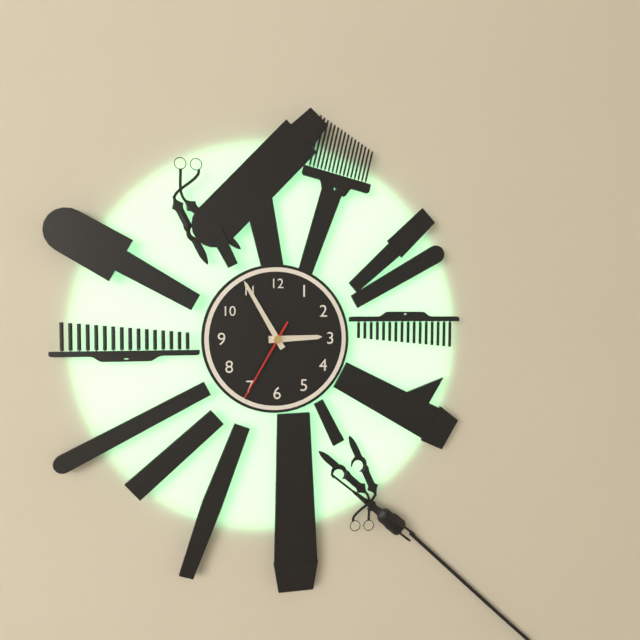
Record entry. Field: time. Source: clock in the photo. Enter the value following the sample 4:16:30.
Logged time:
2:55:35
